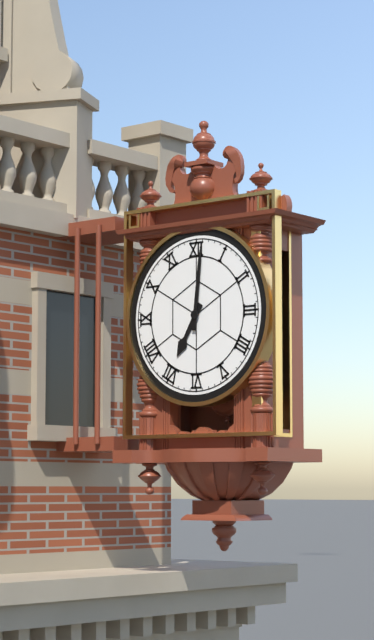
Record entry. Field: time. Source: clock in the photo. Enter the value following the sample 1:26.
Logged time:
7:01
